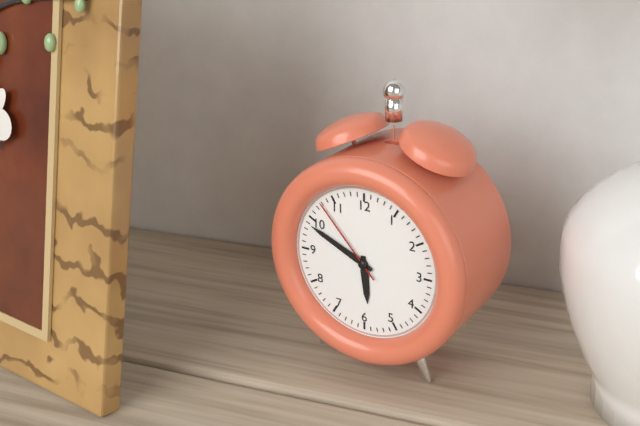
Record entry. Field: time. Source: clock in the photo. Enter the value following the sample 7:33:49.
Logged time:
5:49:53
